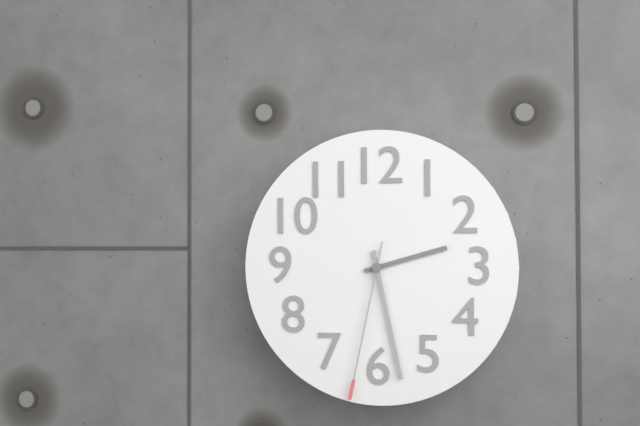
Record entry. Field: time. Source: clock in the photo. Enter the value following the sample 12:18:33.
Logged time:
2:28:32
